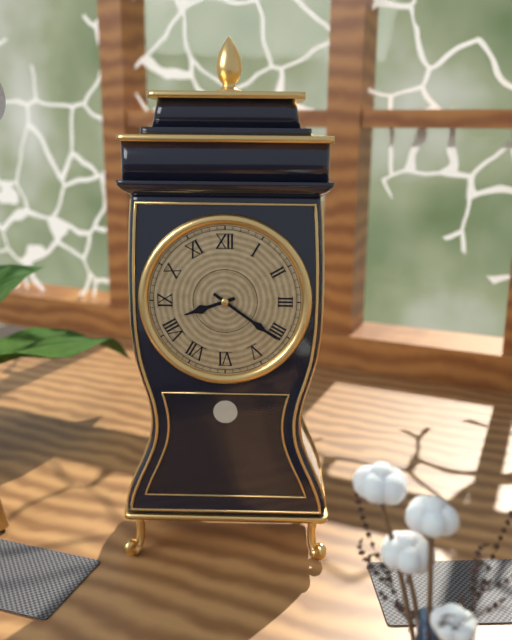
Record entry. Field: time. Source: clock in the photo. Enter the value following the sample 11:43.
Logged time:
8:21
